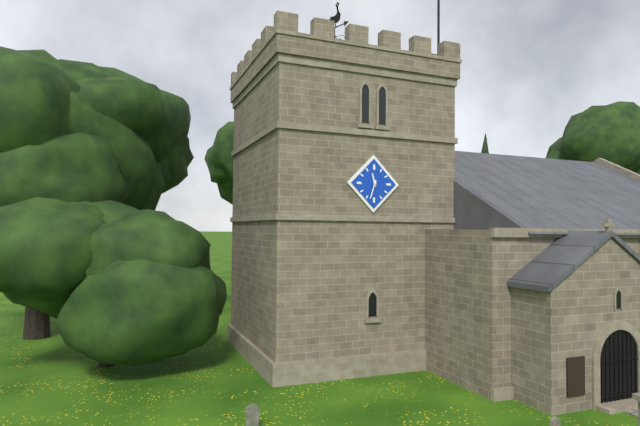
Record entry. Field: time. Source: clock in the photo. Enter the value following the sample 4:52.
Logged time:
11:33
